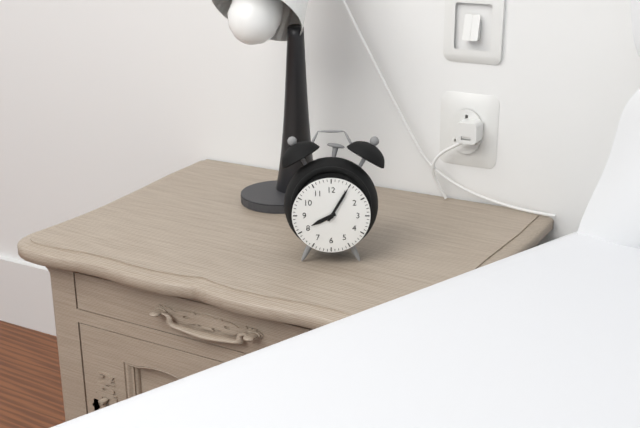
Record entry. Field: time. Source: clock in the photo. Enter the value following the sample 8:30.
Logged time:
8:05
